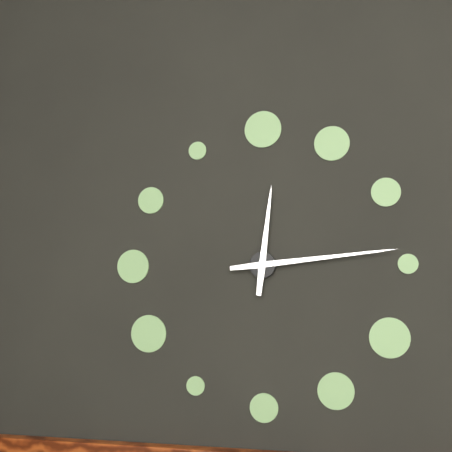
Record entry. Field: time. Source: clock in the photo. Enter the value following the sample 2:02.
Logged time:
12:14
